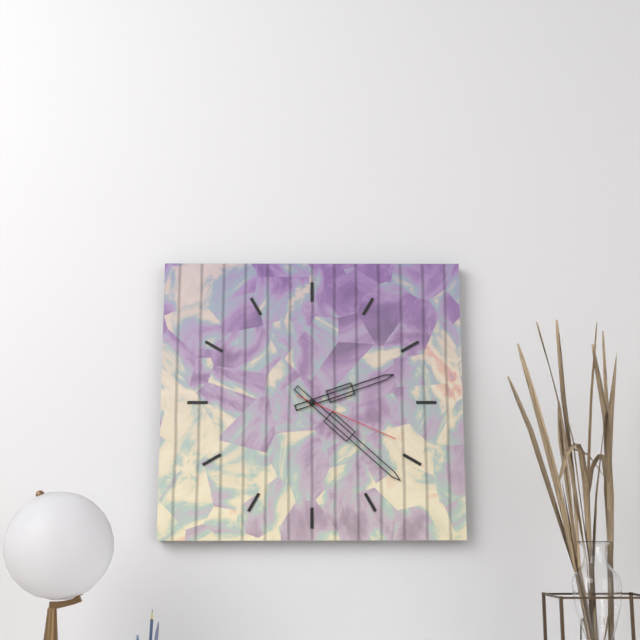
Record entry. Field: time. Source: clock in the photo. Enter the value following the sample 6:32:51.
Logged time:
2:22:19
